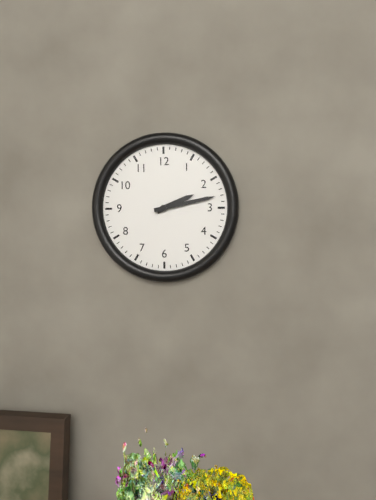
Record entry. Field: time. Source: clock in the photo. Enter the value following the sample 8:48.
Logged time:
2:13
